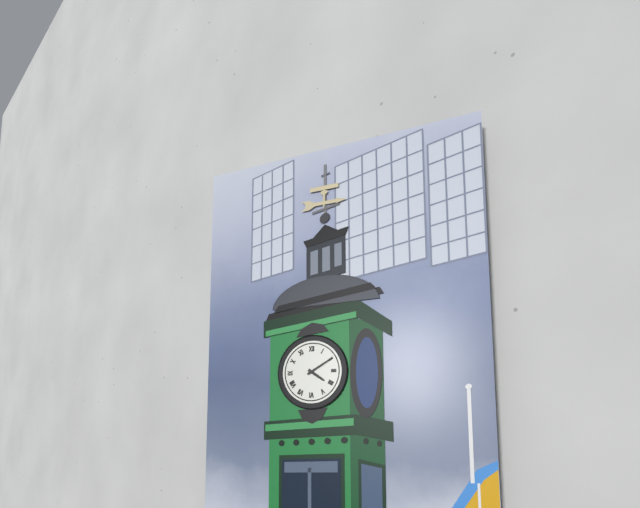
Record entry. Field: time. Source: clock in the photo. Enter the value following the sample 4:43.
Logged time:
4:10
